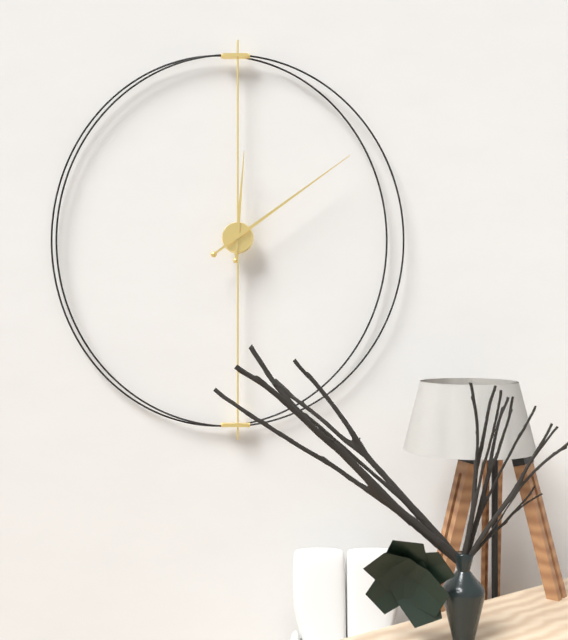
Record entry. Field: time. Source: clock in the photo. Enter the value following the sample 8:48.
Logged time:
12:09
